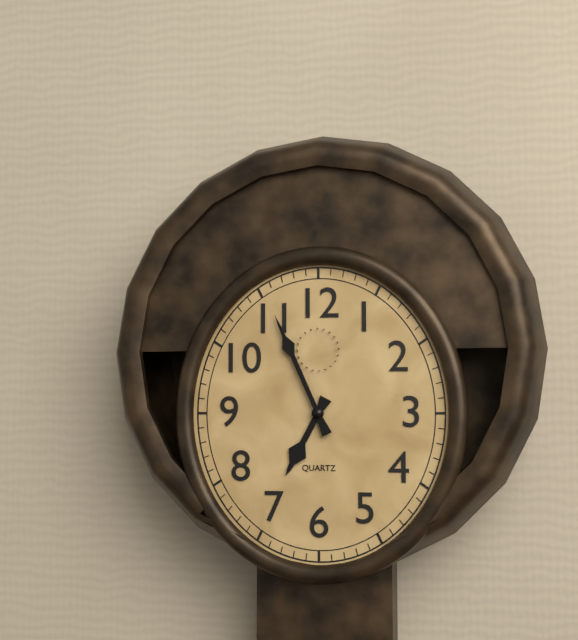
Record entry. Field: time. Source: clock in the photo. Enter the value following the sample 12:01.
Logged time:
6:56
